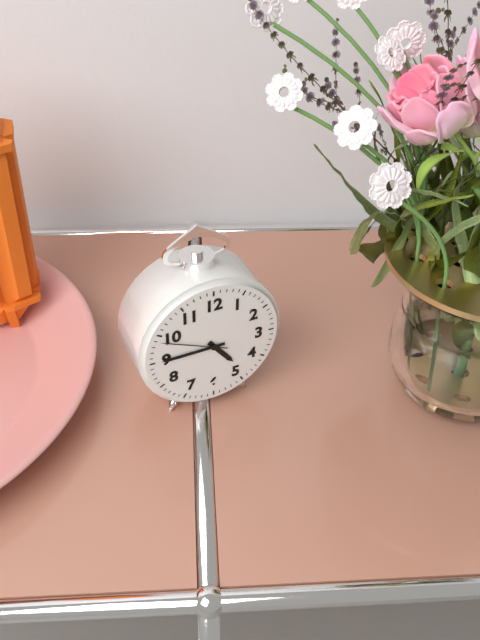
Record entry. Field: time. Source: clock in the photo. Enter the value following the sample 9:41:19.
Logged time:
4:45:49
